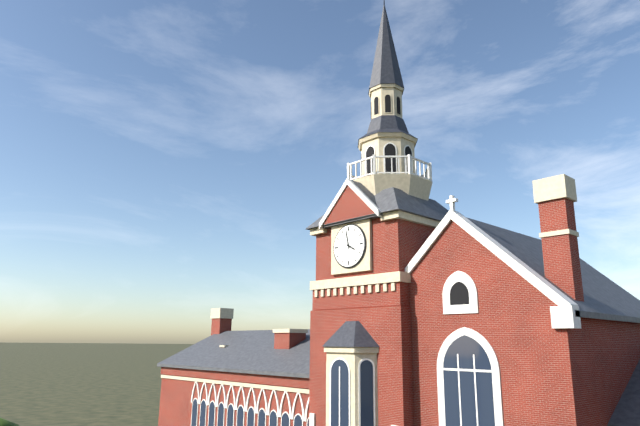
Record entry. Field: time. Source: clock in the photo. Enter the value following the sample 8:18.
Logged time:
3:58
